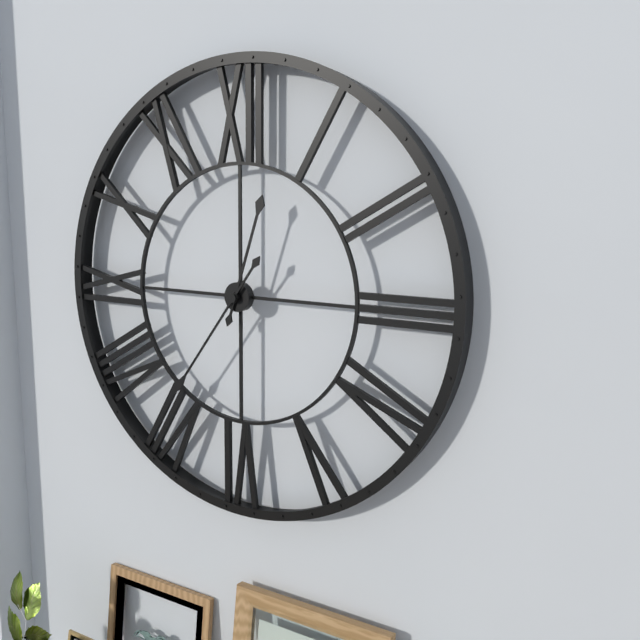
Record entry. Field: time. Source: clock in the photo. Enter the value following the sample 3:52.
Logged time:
12:36
